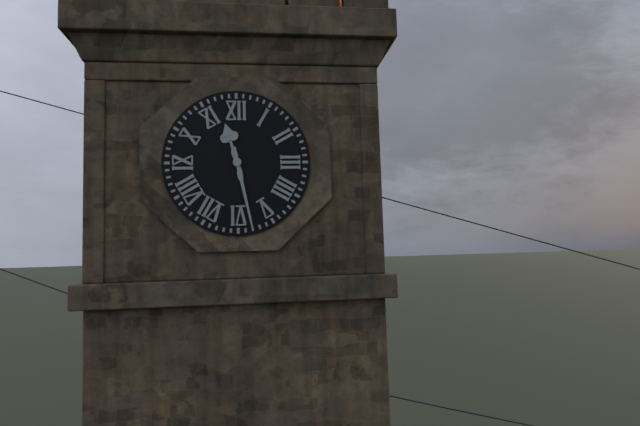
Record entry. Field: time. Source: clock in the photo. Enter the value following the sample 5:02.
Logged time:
11:28
